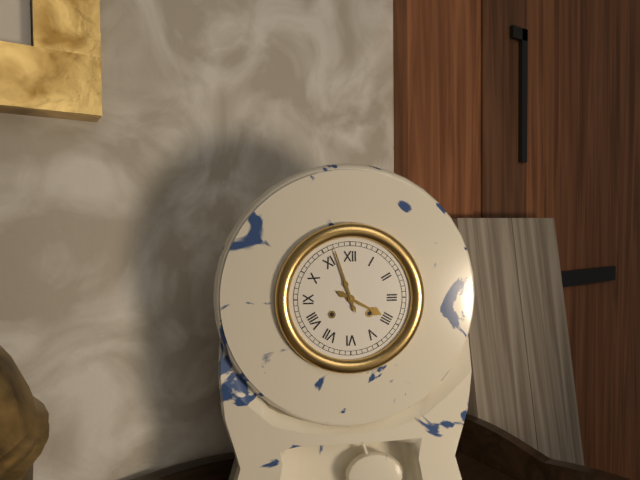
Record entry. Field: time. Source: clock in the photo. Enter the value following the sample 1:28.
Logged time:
3:57
